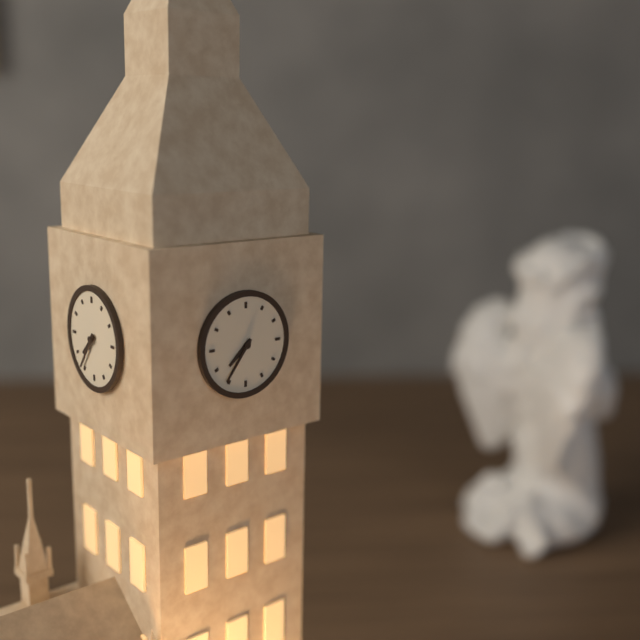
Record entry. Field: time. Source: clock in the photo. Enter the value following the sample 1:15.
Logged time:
7:36
